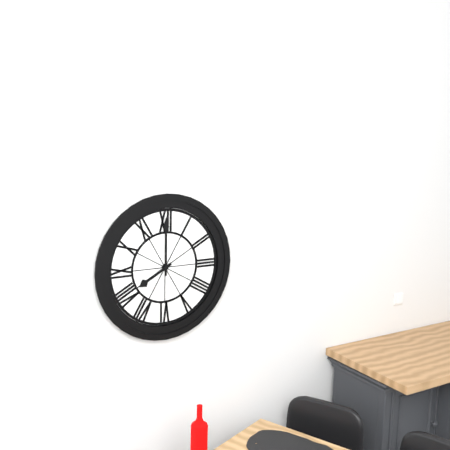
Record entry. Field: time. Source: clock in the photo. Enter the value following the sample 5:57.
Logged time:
8:00
